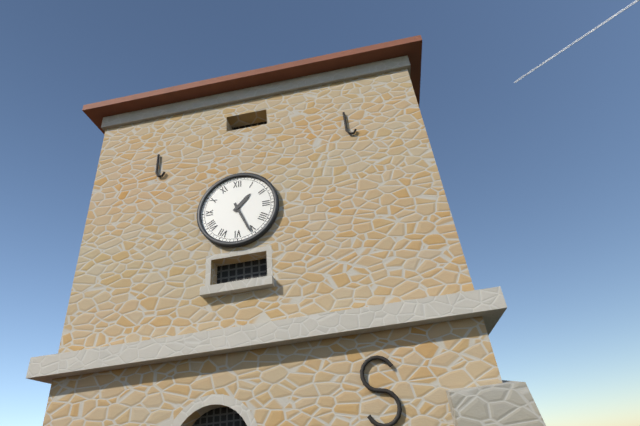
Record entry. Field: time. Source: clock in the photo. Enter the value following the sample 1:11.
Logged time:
1:26
